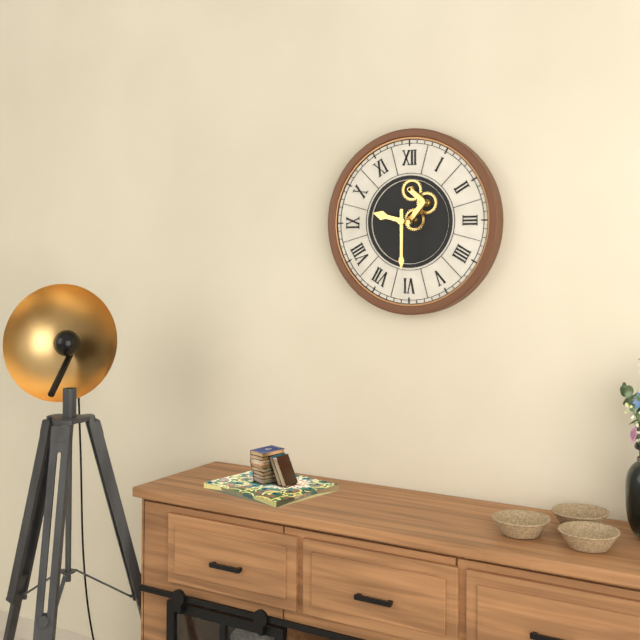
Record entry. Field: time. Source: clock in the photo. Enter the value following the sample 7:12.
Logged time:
9:30
